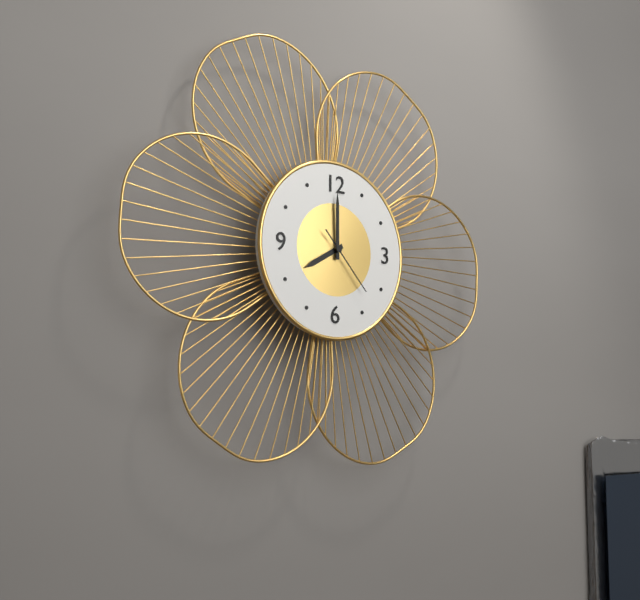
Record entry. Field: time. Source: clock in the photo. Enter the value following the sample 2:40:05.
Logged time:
8:00:23
